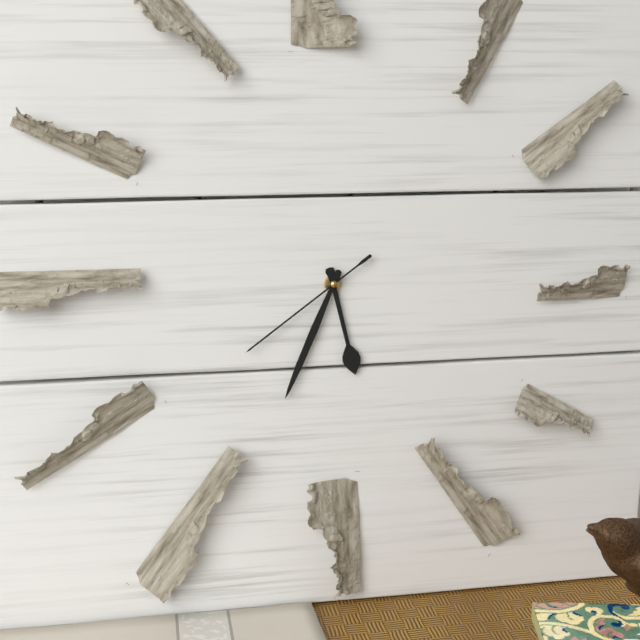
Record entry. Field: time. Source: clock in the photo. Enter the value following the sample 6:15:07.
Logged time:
5:34:39
